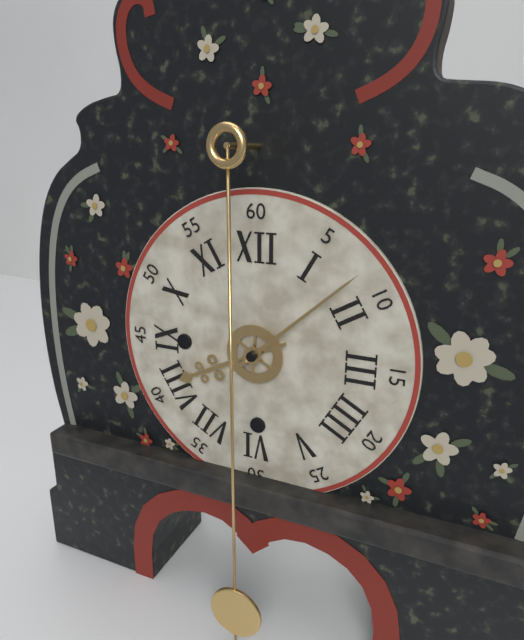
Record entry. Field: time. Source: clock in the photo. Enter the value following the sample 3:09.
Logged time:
8:08
